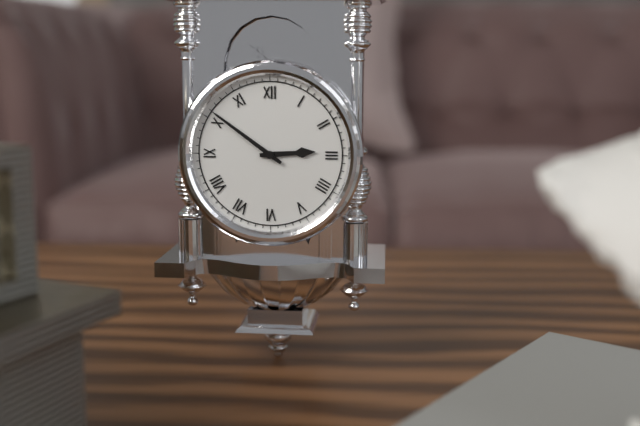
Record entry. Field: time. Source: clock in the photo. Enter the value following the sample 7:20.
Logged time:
2:51
